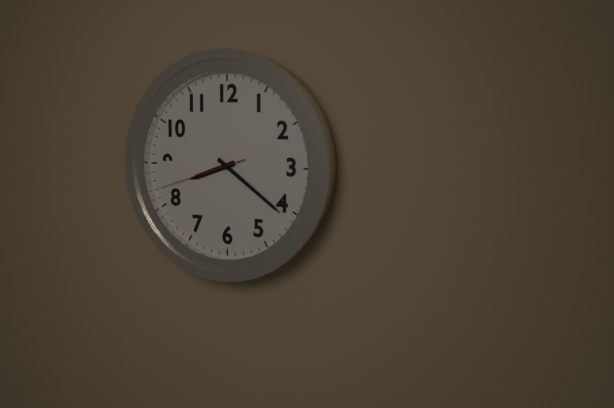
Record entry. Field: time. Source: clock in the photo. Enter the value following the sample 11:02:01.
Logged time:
8:21:42
